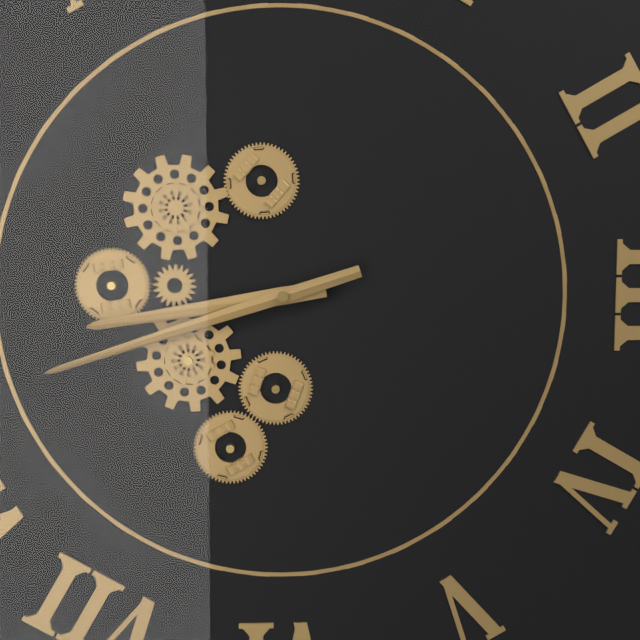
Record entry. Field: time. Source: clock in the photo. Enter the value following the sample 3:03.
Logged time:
8:42
